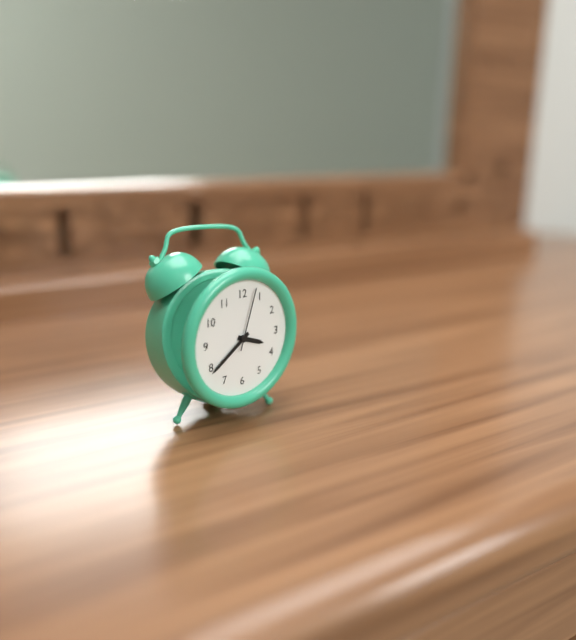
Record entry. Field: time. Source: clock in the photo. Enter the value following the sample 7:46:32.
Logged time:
3:39:03
